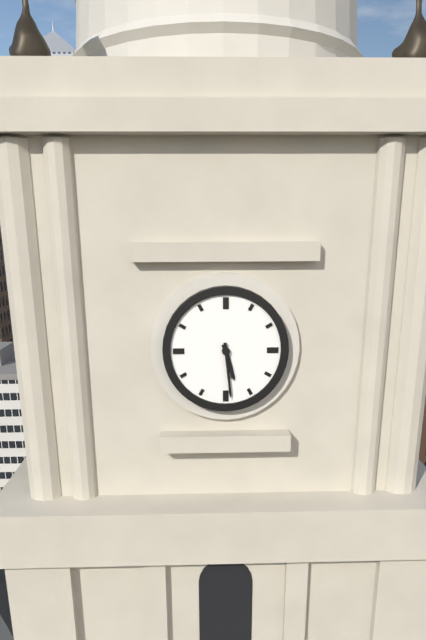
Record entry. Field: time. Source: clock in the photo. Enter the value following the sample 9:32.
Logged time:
5:29
